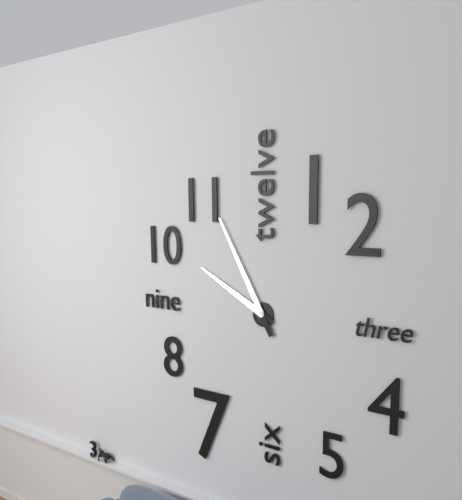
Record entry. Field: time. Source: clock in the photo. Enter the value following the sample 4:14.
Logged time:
9:55
